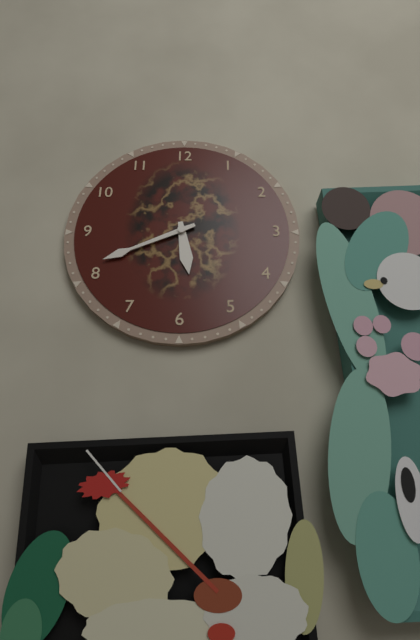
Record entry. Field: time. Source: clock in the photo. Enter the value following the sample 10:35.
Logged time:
5:41
